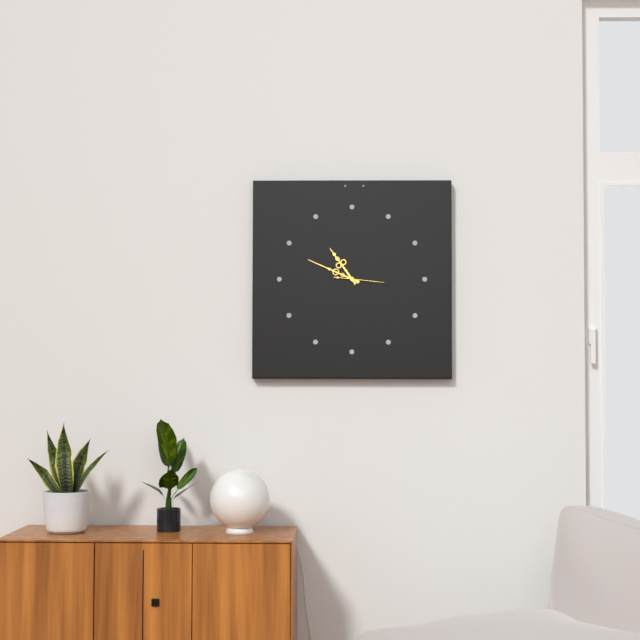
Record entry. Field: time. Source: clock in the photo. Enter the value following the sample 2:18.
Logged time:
10:49
